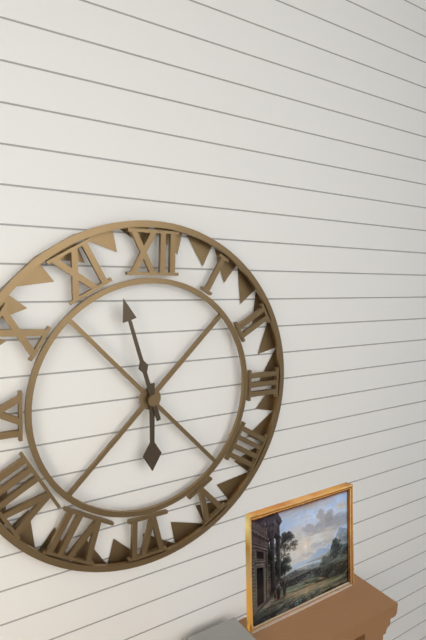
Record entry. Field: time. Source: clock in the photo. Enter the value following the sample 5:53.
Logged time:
5:57
